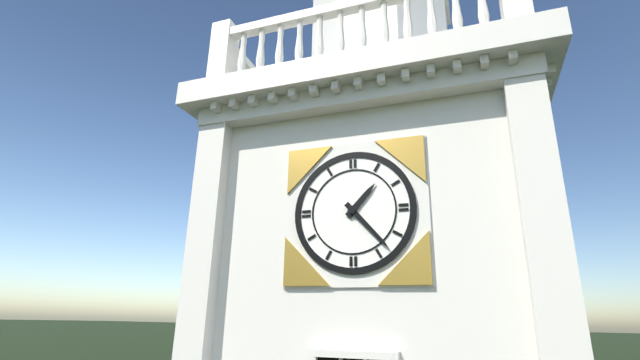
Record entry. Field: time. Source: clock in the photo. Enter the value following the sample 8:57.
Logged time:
1:23
